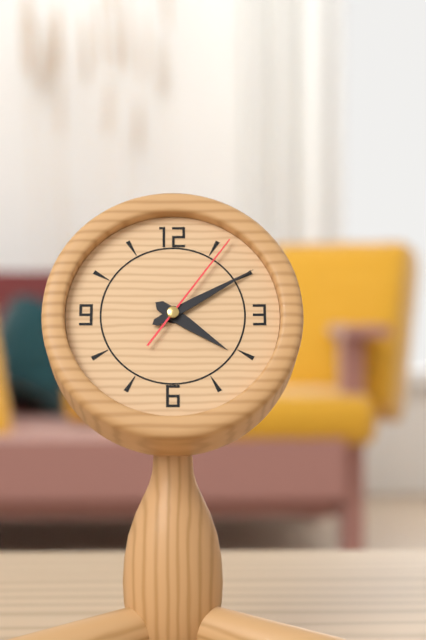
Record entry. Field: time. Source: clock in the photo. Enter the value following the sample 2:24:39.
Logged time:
4:10:06
